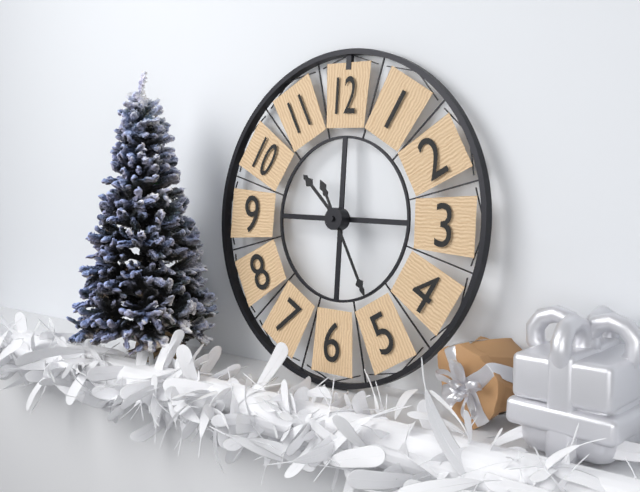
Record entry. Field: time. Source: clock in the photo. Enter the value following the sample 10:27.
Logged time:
10:25
